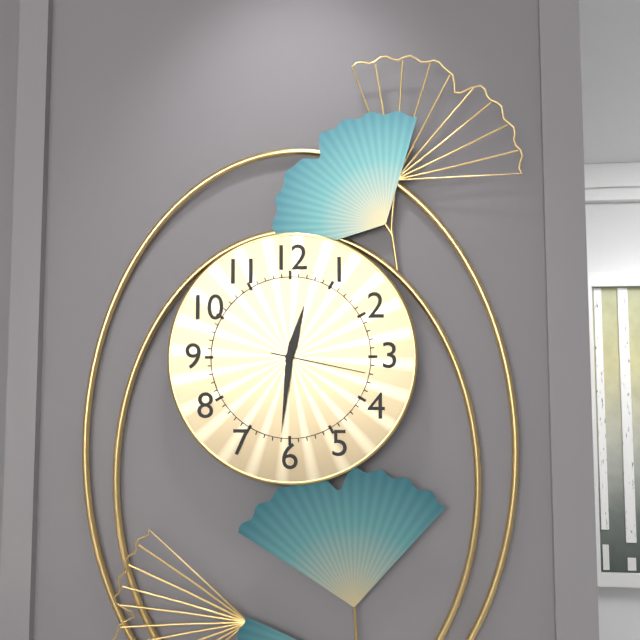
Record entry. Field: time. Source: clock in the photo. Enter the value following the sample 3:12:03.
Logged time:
12:31:17
